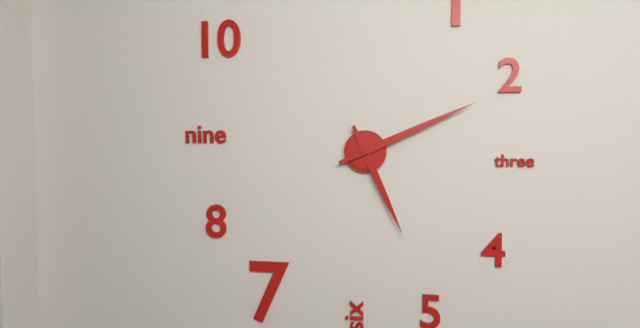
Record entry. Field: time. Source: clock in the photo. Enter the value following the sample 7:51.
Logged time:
5:11
